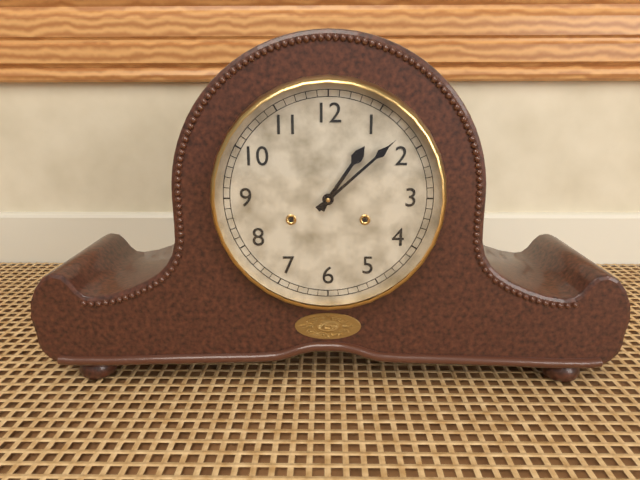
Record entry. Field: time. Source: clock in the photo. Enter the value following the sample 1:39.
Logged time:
1:08
